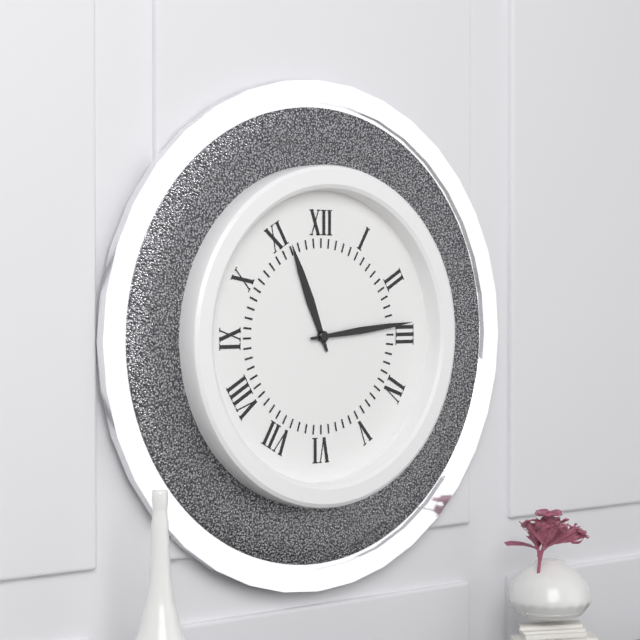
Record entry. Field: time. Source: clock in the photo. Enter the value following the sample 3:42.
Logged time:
11:14
